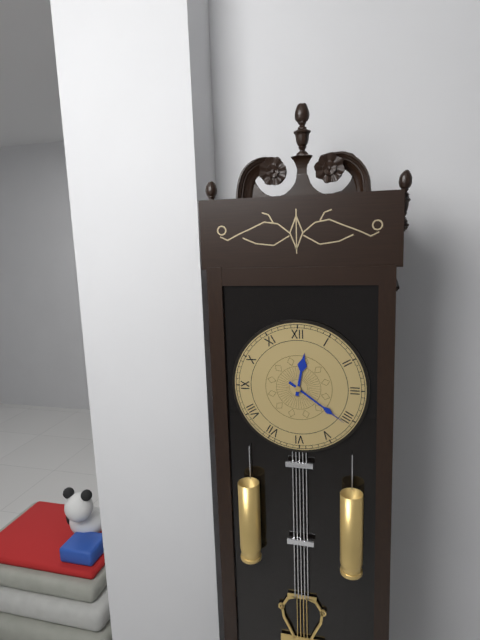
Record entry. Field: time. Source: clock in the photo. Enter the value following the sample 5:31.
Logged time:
12:21
